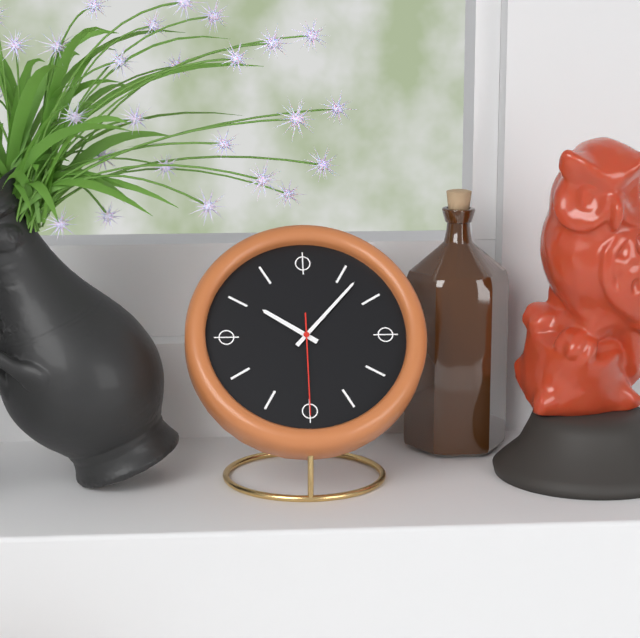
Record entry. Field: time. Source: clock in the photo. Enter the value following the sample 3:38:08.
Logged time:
10:07:30
